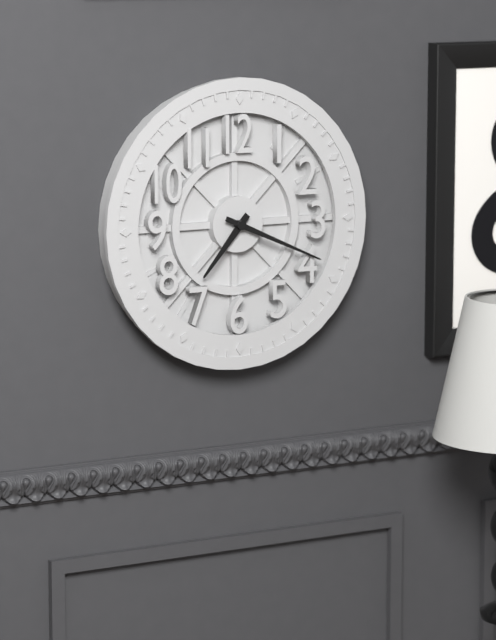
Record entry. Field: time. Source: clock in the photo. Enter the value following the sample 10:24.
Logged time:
7:19
